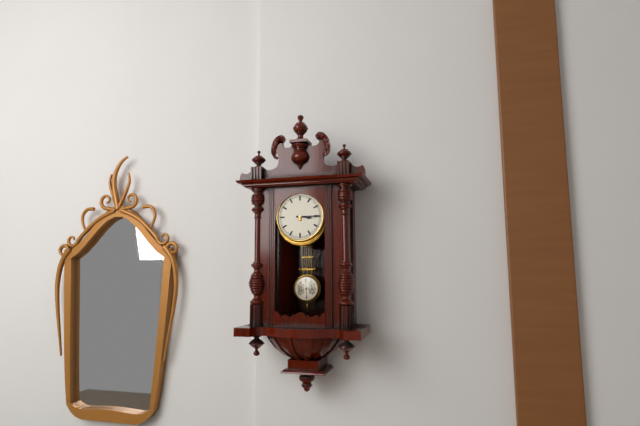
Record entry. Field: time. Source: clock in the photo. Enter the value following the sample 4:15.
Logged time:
3:15
